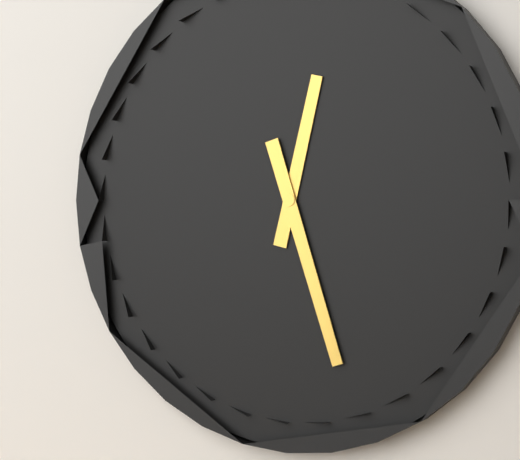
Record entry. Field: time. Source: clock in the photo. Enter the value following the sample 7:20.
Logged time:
12:27
